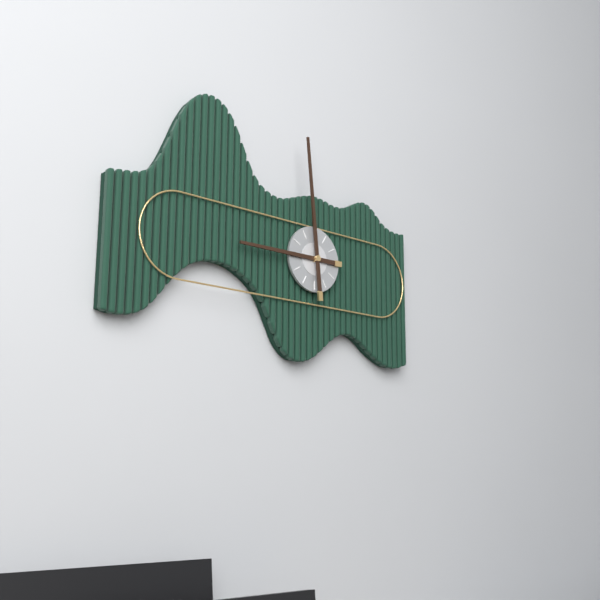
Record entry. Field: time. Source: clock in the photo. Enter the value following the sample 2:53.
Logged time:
8:59
